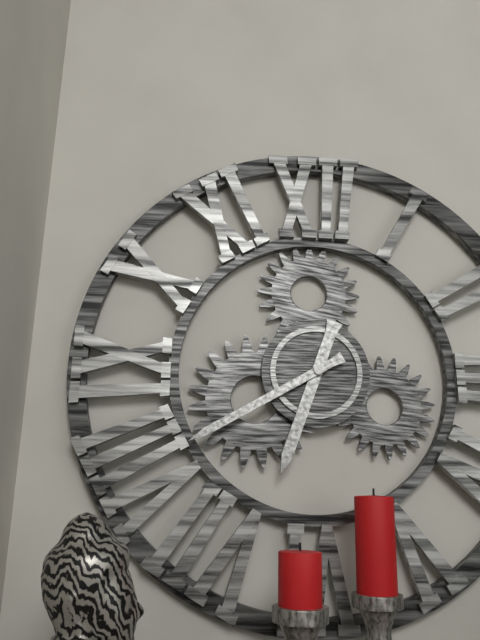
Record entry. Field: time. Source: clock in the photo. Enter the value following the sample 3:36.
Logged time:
6:40
